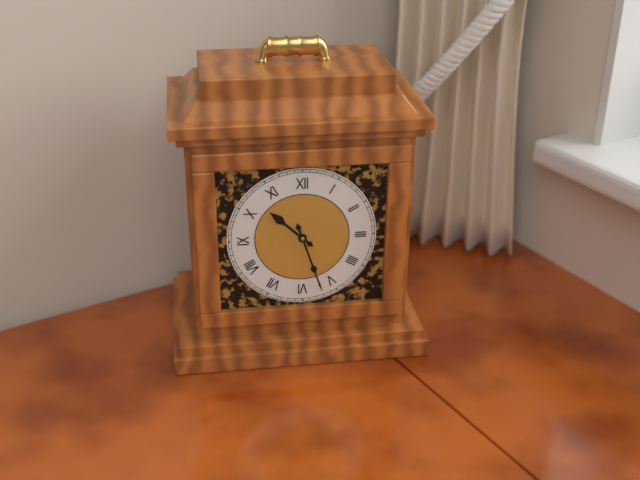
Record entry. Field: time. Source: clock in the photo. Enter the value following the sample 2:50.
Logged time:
10:27
